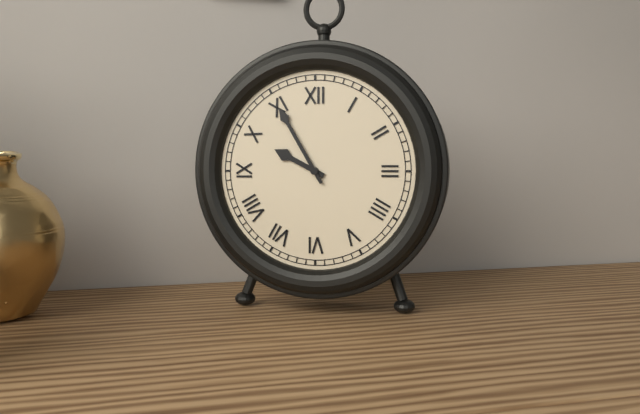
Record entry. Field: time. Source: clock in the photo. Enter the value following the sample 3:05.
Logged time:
9:55
